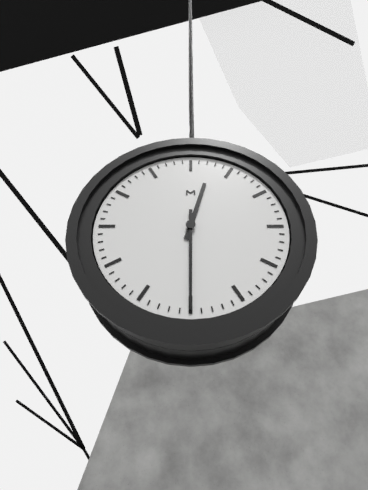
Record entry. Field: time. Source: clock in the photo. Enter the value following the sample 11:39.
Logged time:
12:30
